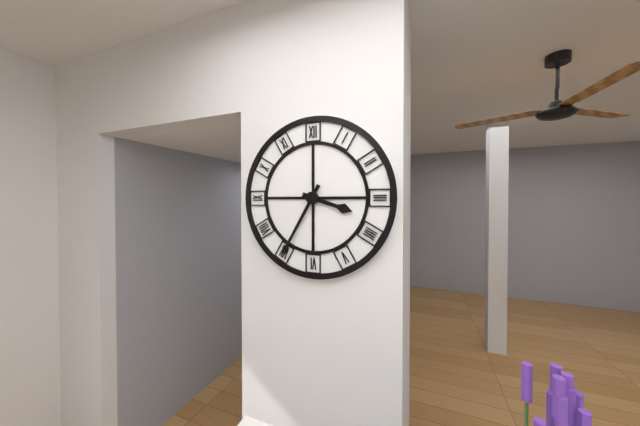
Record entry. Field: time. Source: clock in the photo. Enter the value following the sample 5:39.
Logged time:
3:35
